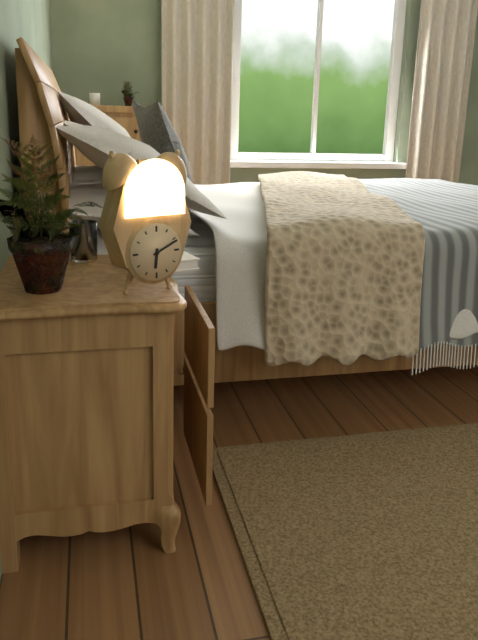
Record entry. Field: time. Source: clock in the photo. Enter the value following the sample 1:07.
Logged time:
6:11
